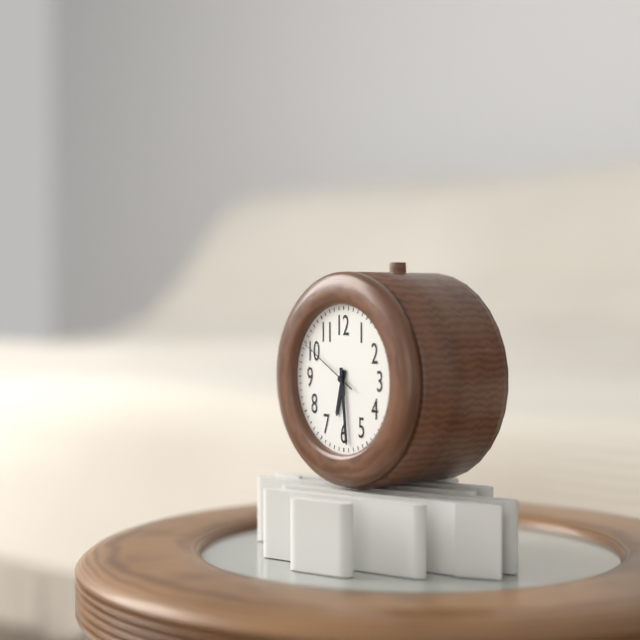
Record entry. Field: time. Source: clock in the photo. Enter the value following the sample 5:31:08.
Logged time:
6:29:50
